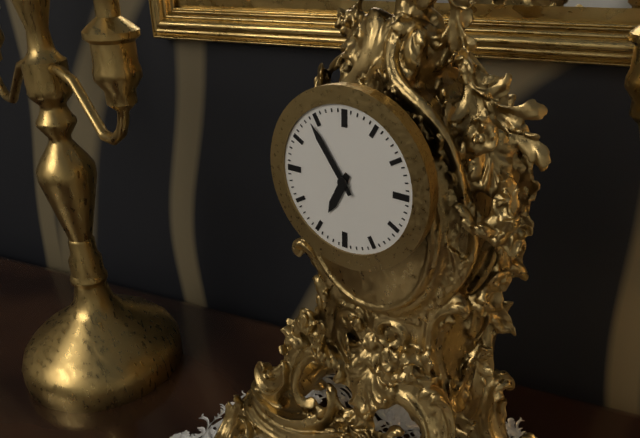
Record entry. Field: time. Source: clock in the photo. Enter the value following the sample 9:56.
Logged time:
6:54
